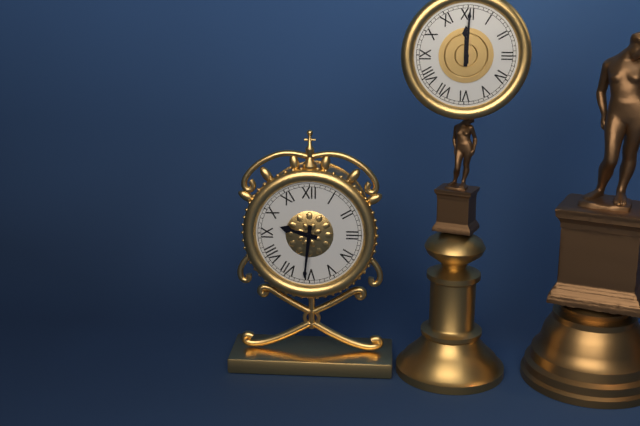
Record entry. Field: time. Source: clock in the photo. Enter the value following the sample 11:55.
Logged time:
9:31
